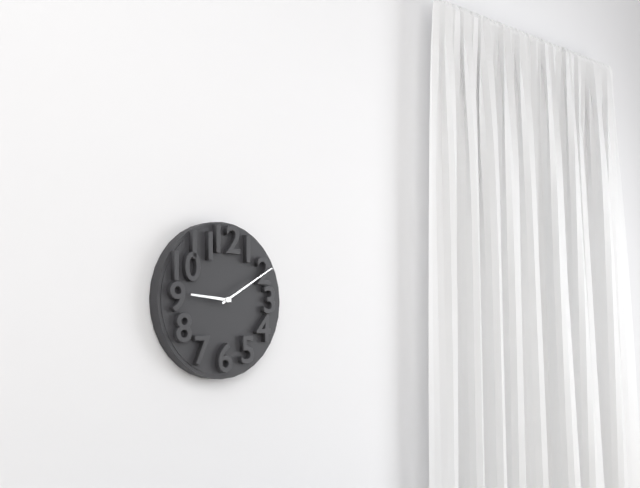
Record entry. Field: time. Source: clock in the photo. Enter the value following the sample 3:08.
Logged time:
9:10
